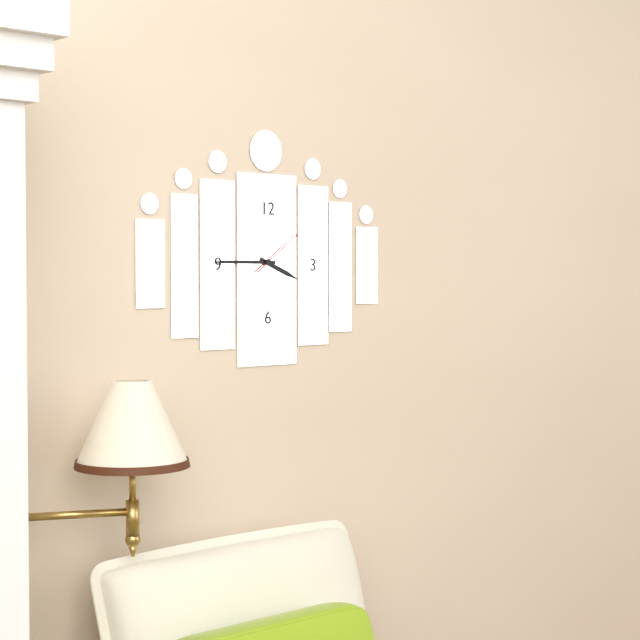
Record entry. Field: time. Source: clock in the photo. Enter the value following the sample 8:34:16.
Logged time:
3:45:09
